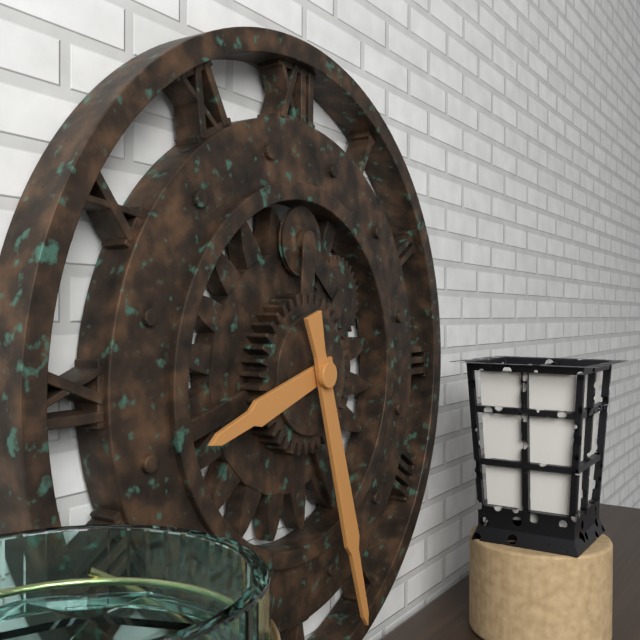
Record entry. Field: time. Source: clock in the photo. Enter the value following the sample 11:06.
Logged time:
8:27
